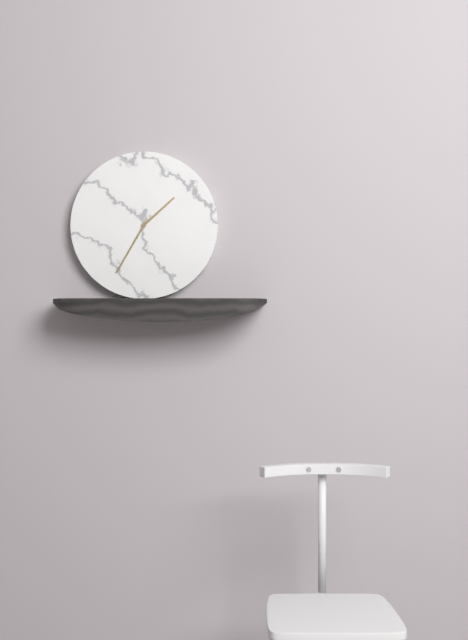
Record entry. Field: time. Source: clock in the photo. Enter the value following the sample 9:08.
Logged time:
1:35
